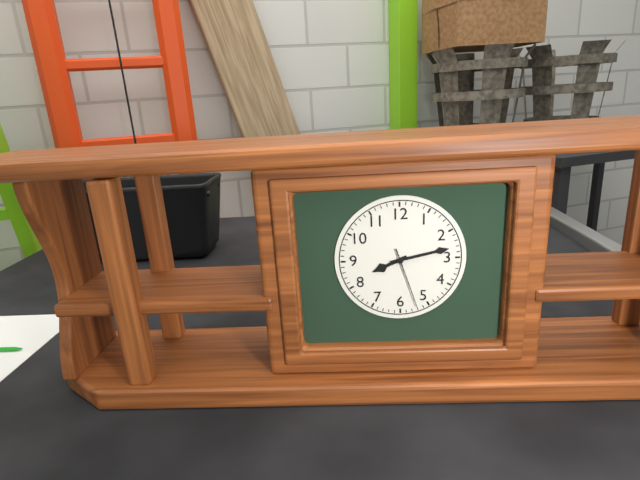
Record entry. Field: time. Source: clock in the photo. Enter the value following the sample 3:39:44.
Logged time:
8:13:27
